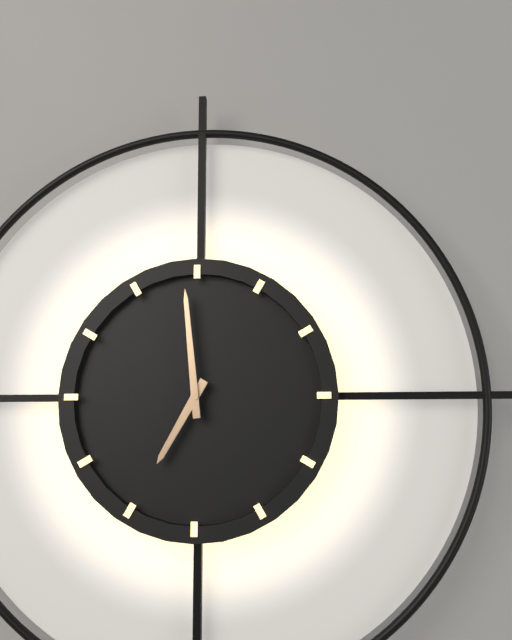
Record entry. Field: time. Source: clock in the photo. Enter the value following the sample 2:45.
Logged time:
6:59
